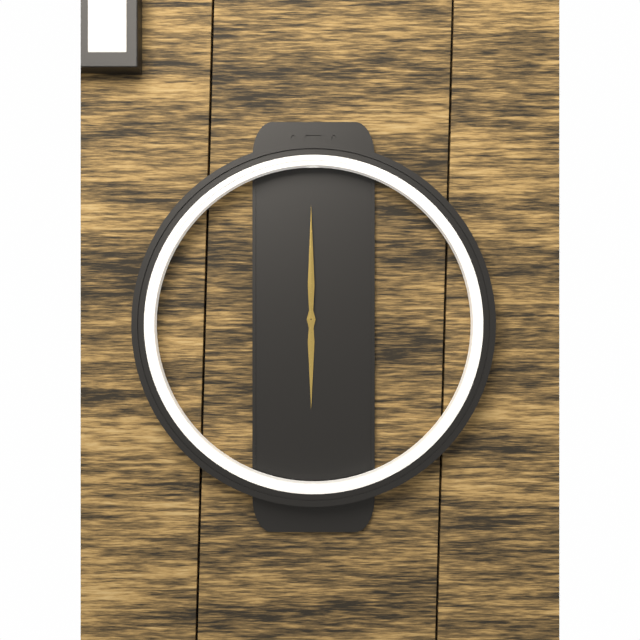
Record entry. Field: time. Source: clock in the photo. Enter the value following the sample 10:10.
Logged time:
6:00
